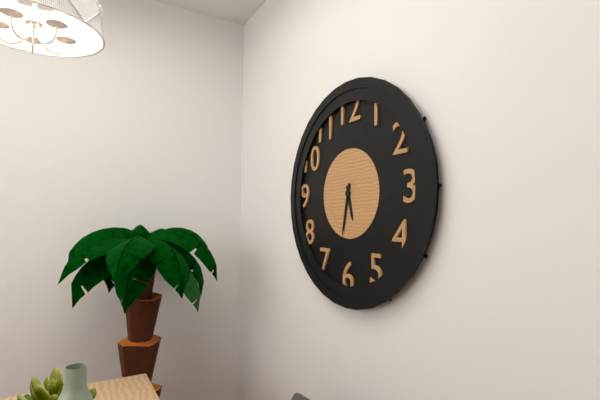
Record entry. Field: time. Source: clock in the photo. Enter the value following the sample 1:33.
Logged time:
5:32
